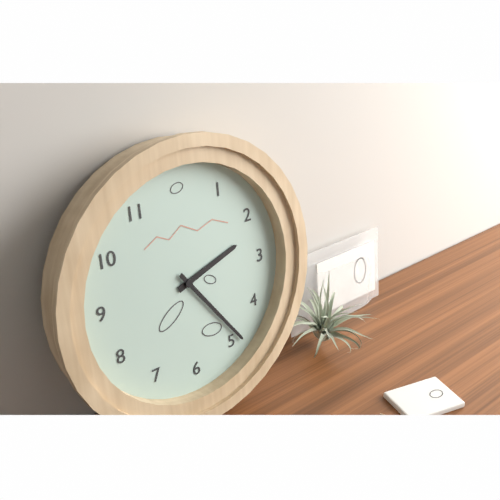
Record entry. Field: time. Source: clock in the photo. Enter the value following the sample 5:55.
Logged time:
2:24
